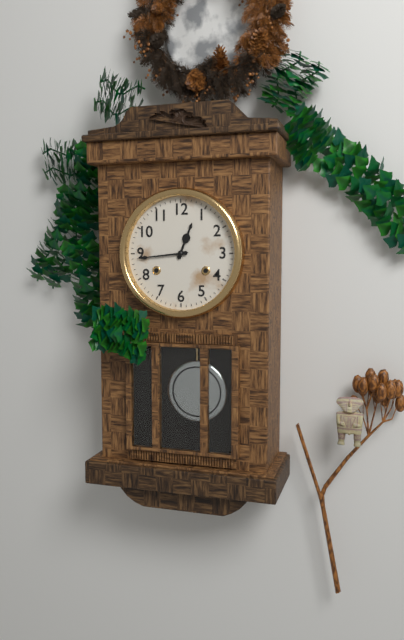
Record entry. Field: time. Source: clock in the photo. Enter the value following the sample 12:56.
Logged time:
12:44
